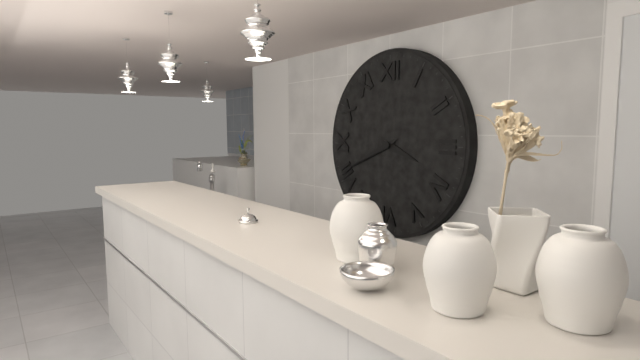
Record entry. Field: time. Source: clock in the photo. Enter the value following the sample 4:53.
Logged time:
3:41
